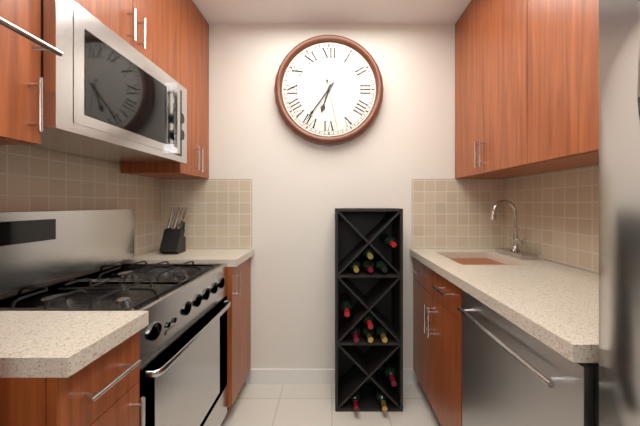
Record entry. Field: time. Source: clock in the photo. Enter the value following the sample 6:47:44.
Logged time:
6:36:28
